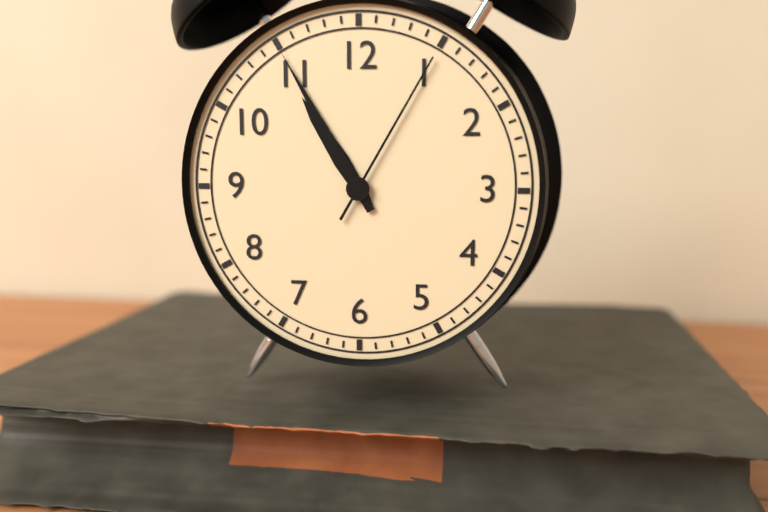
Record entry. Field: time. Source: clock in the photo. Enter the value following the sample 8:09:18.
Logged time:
10:55:05
